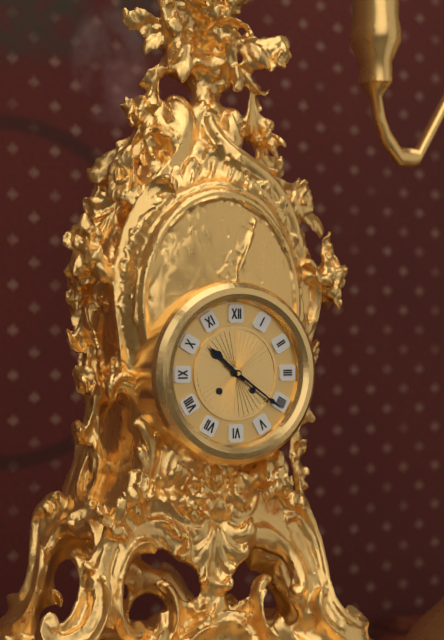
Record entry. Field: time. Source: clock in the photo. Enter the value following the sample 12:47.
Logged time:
10:21
